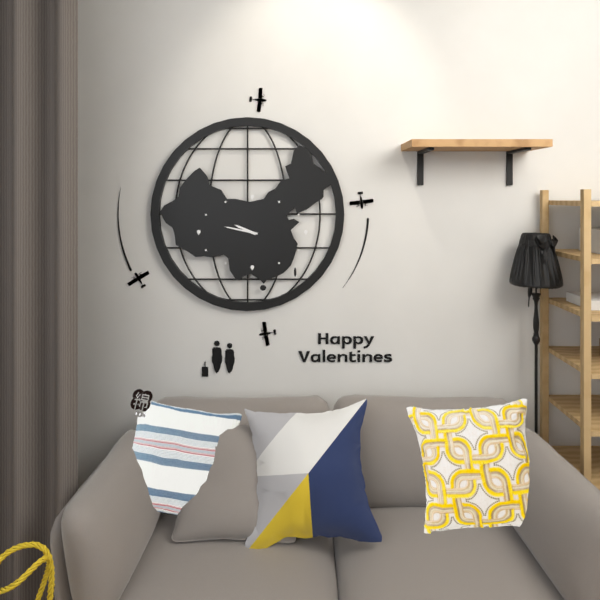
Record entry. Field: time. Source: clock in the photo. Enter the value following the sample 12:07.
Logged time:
9:47
